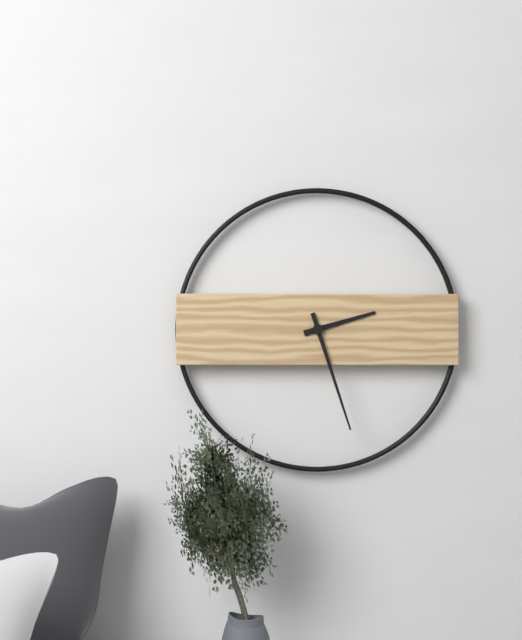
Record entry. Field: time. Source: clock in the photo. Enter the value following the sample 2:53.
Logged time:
2:27
